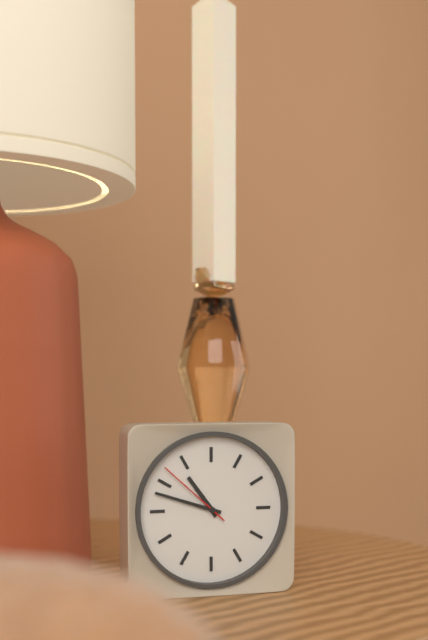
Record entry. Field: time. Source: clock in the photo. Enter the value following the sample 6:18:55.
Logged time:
10:48:52
